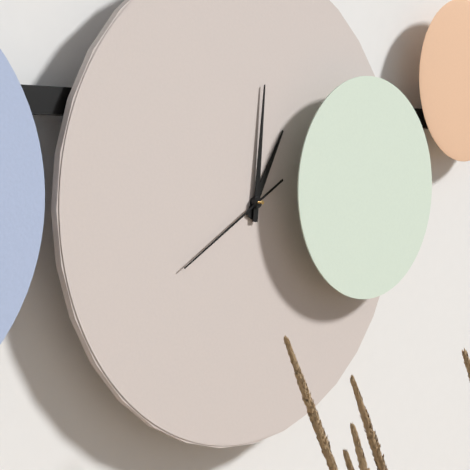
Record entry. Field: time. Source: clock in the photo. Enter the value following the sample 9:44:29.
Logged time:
1:01:40
